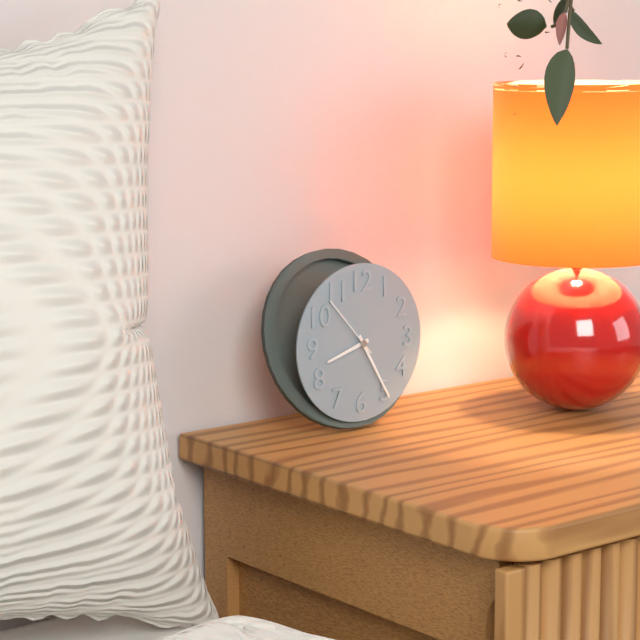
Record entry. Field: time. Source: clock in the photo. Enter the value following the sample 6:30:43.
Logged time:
8:25:53
